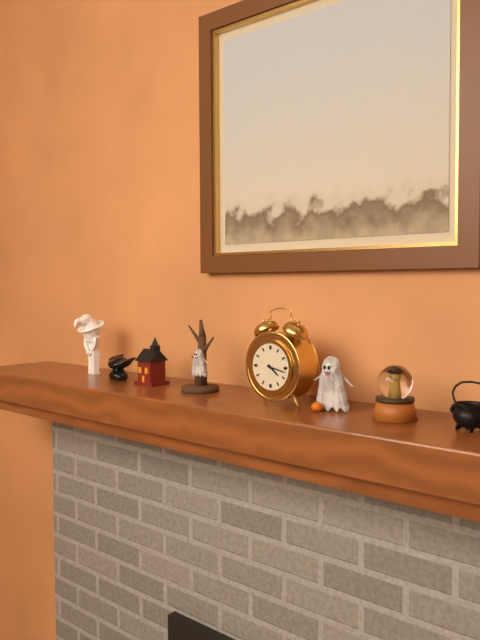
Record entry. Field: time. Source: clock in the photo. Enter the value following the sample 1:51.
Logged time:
4:17
